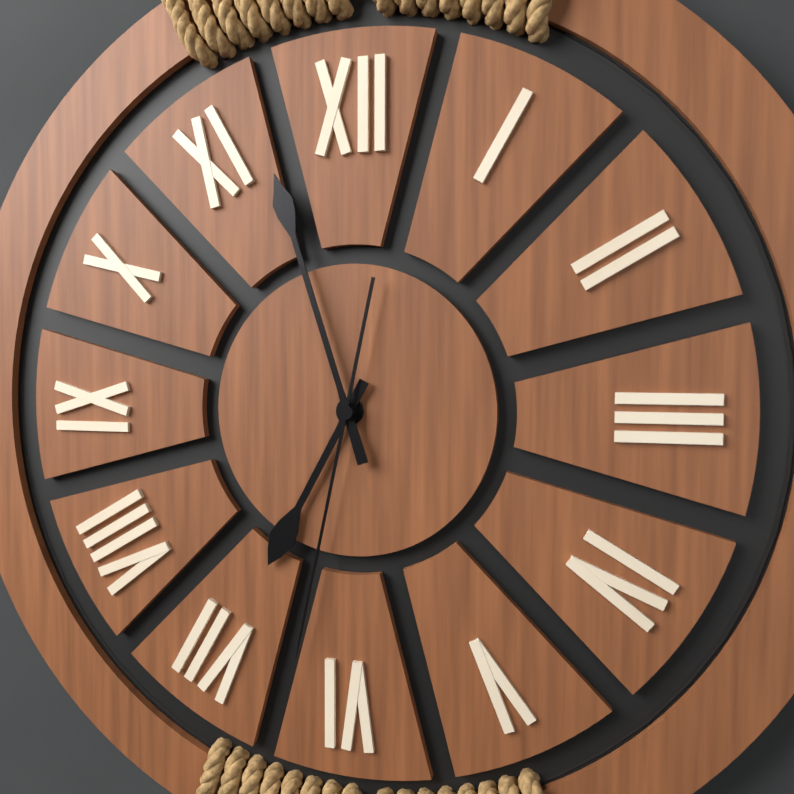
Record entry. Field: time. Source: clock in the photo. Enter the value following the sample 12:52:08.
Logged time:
6:57:32
